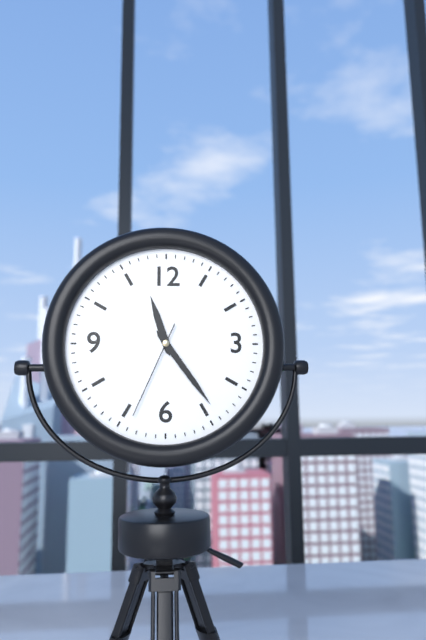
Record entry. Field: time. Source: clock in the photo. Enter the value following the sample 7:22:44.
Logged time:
11:24:34
